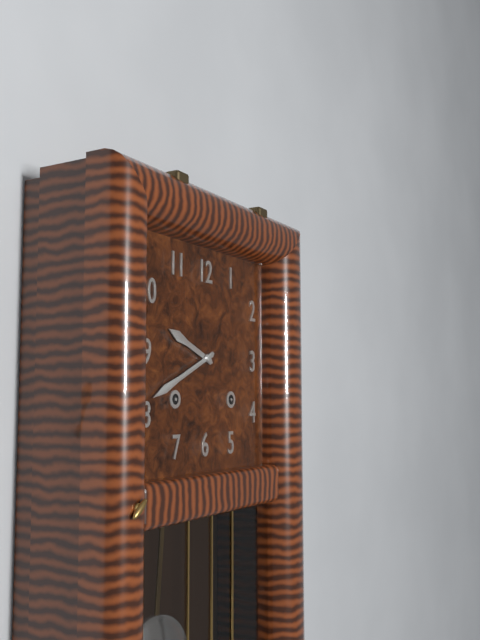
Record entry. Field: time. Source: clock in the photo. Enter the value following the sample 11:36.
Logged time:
9:41
